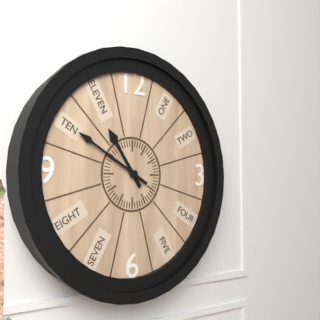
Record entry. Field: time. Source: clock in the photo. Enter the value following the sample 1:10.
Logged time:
10:50
